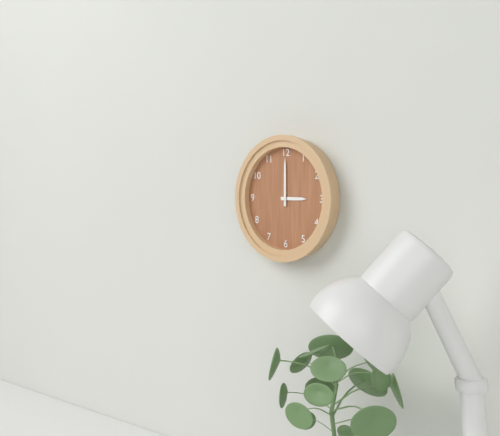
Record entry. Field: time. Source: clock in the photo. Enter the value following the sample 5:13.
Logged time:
3:00
